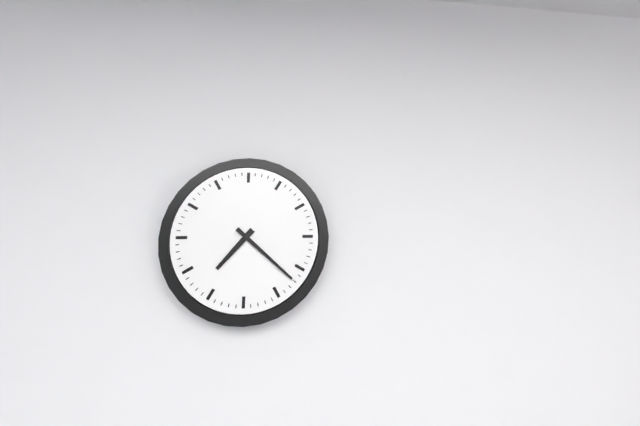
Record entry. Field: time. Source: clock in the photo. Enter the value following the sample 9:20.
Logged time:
7:22
